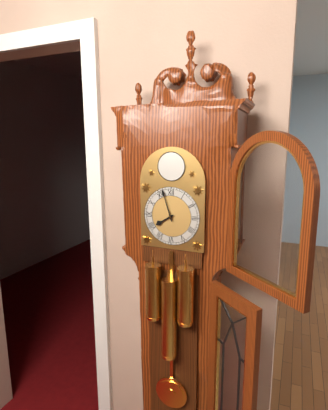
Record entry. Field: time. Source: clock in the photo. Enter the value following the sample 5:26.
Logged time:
7:57
